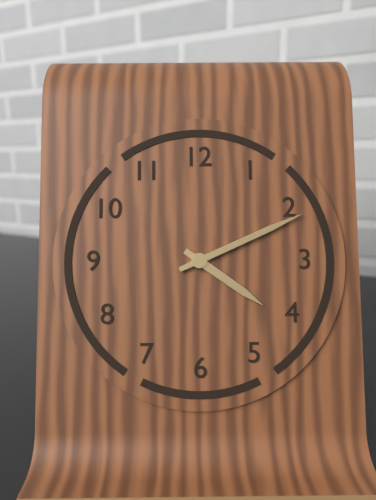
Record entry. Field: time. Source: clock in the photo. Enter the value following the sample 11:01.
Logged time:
4:11
